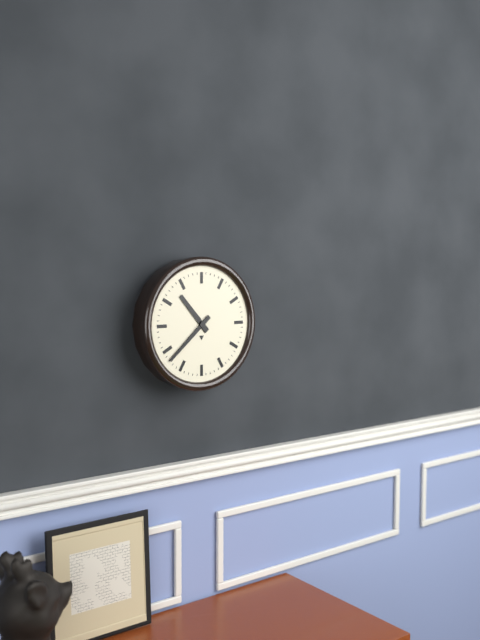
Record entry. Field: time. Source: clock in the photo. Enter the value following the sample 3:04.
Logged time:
10:38
